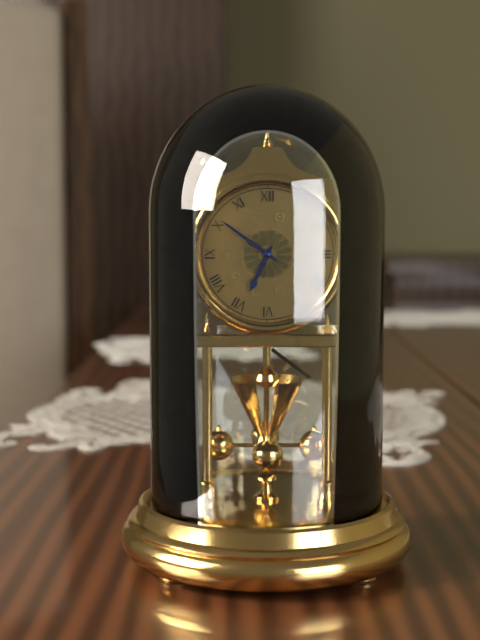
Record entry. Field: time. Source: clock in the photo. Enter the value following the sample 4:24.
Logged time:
6:51
